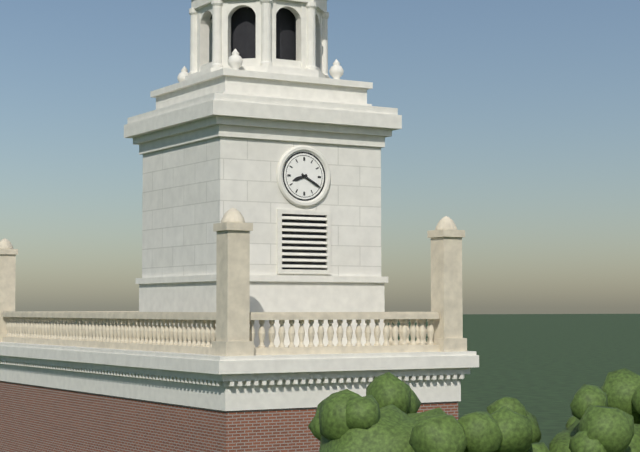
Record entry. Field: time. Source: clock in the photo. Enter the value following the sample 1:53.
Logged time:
8:20
